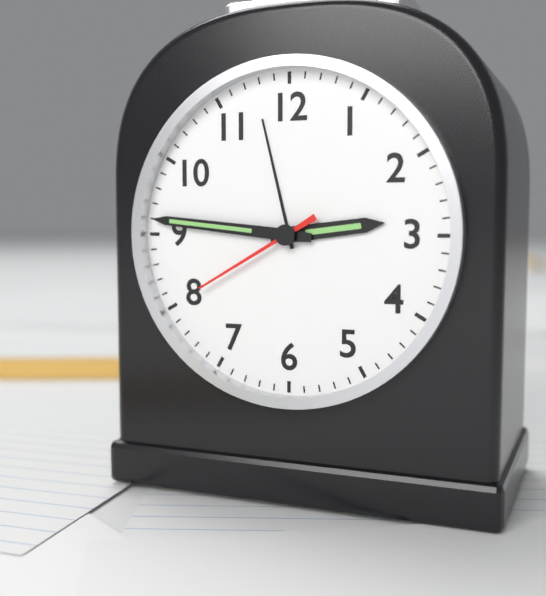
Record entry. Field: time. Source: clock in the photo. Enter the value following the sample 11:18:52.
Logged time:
2:46:40
